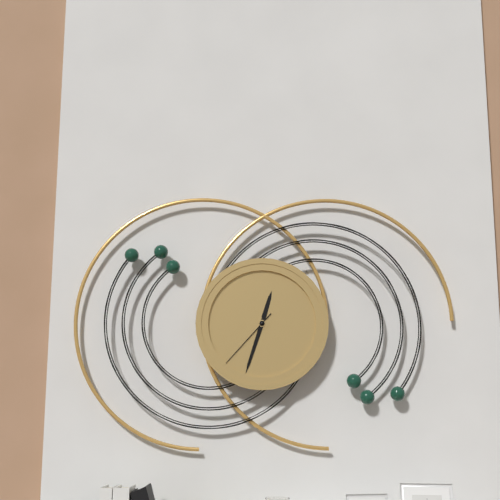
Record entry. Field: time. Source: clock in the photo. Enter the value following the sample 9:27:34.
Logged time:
12:33:37
